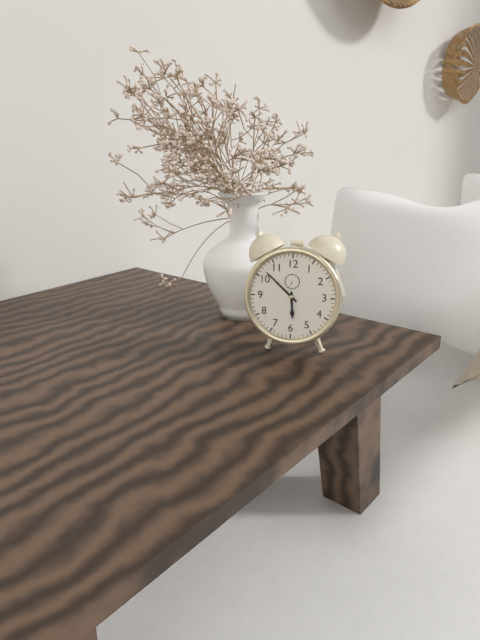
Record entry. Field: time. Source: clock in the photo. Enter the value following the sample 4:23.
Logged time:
5:52
